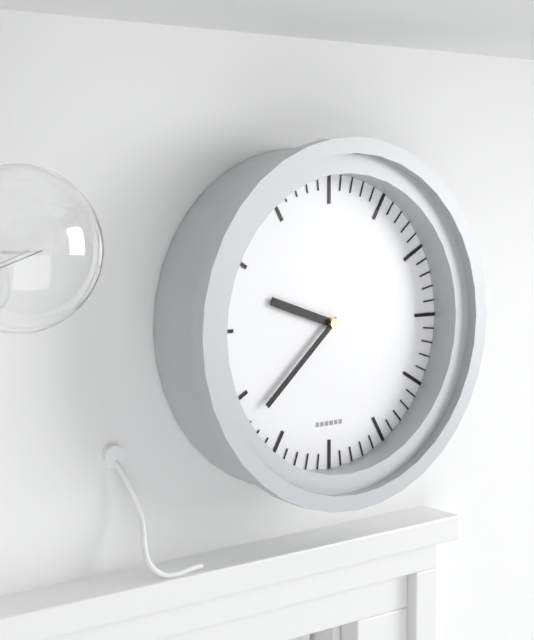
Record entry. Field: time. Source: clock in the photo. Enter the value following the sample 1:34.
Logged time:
9:38
